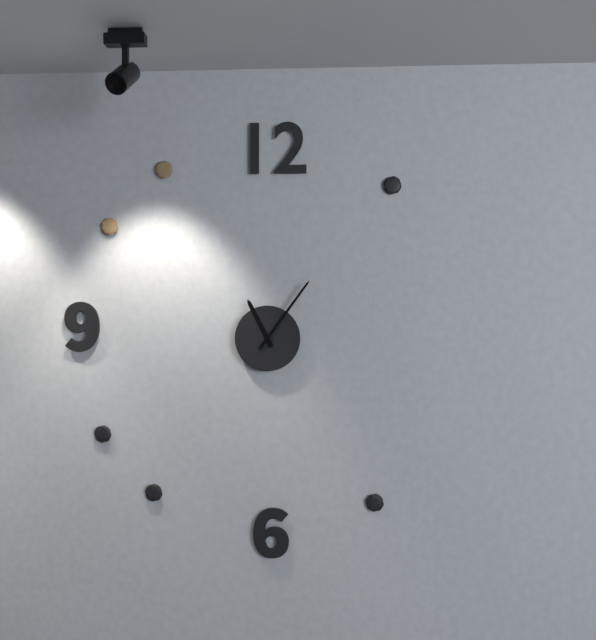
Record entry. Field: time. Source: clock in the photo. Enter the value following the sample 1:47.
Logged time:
11:06
